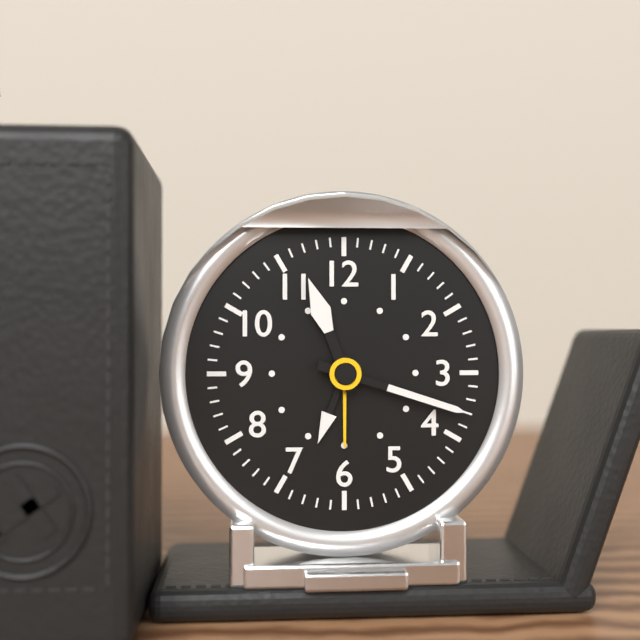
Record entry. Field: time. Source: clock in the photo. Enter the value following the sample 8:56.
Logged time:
11:18
